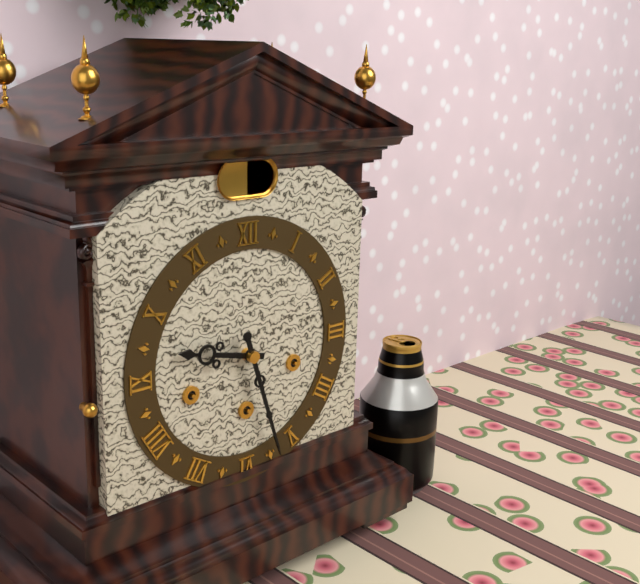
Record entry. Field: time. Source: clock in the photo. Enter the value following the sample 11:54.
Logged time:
9:27
